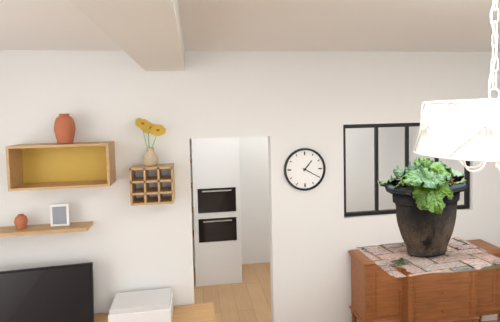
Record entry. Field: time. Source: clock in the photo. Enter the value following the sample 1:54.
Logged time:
1:20
